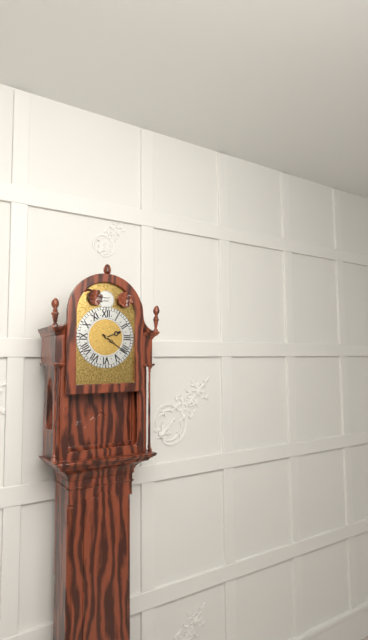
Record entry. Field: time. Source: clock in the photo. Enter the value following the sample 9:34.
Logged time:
2:21
